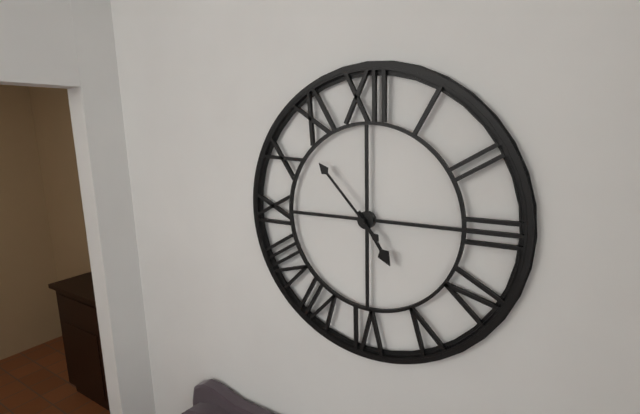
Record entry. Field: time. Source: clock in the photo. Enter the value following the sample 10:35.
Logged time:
4:53
